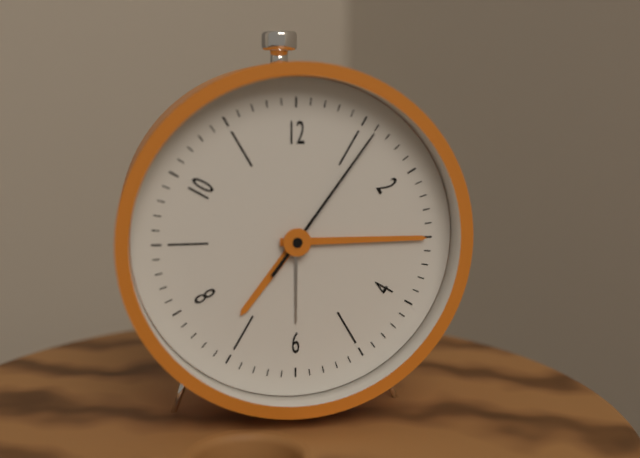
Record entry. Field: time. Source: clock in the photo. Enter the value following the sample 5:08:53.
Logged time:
7:15:06
